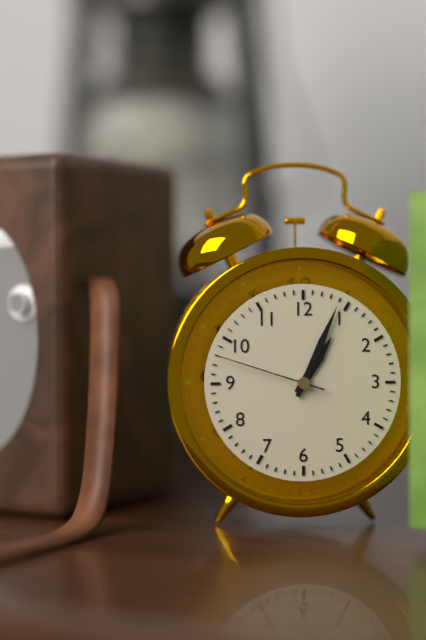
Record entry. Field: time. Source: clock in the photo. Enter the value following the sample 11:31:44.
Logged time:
1:04:48
